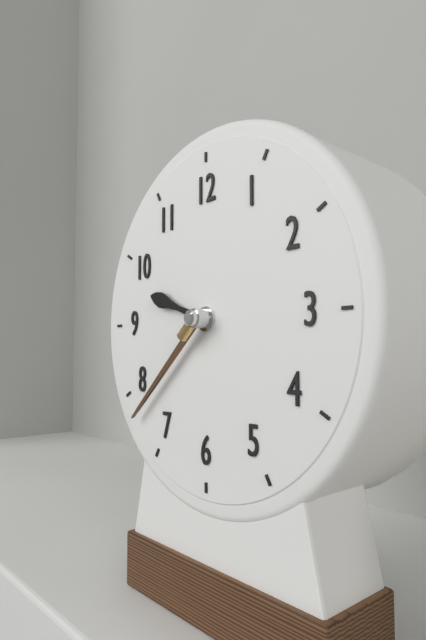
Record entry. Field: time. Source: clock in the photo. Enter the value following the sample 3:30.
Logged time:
9:38
